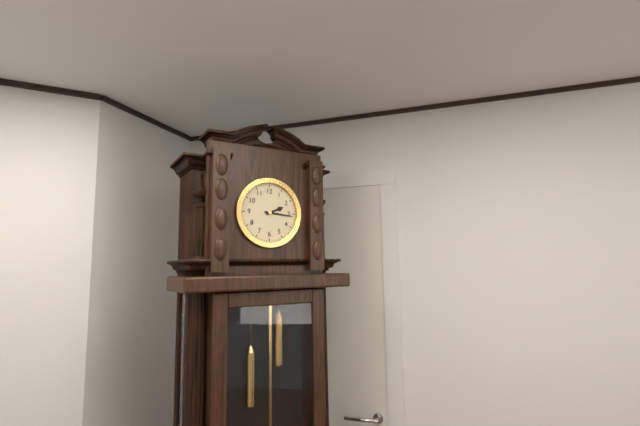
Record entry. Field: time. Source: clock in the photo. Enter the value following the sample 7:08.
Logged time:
2:16
